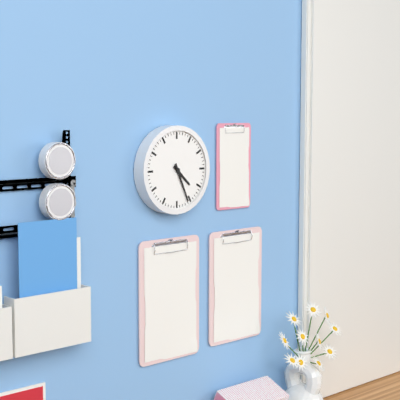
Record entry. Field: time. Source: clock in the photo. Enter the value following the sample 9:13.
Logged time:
4:26
